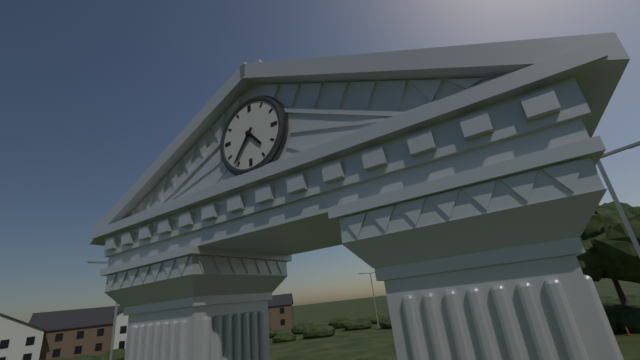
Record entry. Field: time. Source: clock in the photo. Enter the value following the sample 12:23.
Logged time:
4:36
